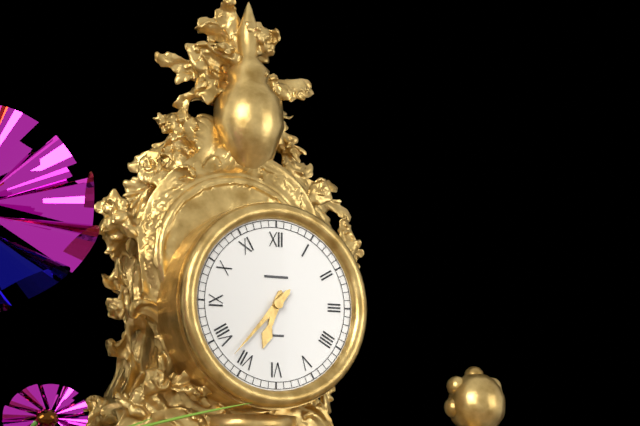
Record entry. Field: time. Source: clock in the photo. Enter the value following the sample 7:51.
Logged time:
6:37
